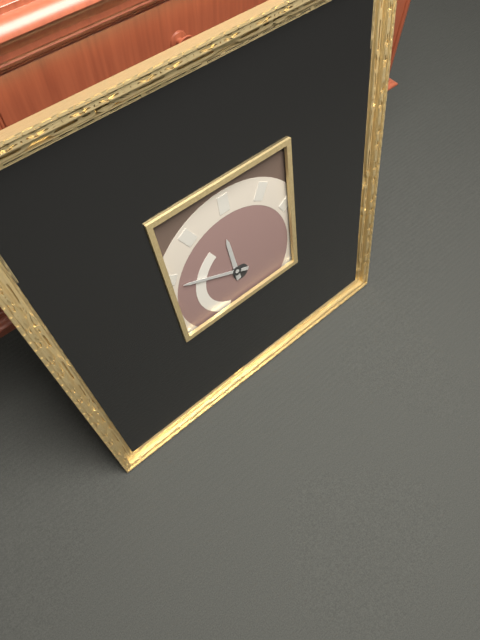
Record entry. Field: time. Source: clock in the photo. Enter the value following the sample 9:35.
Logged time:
11:49
